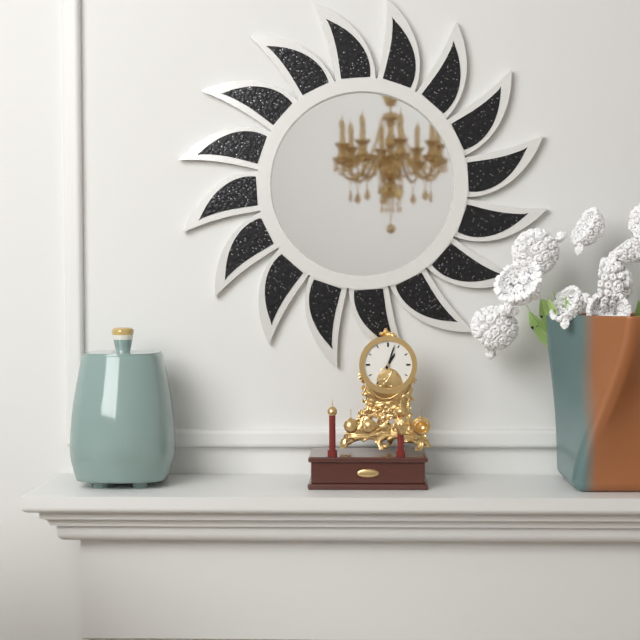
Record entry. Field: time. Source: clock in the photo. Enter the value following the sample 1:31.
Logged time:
1:03
